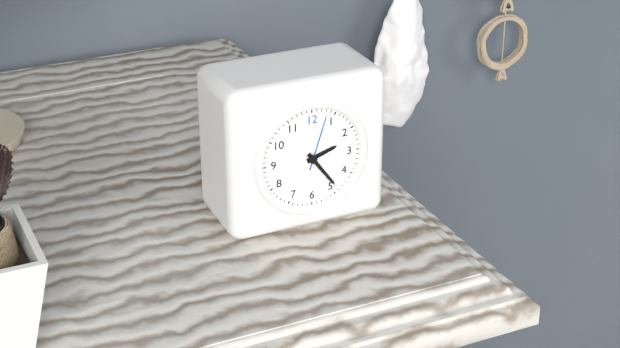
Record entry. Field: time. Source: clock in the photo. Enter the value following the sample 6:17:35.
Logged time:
2:24:03
